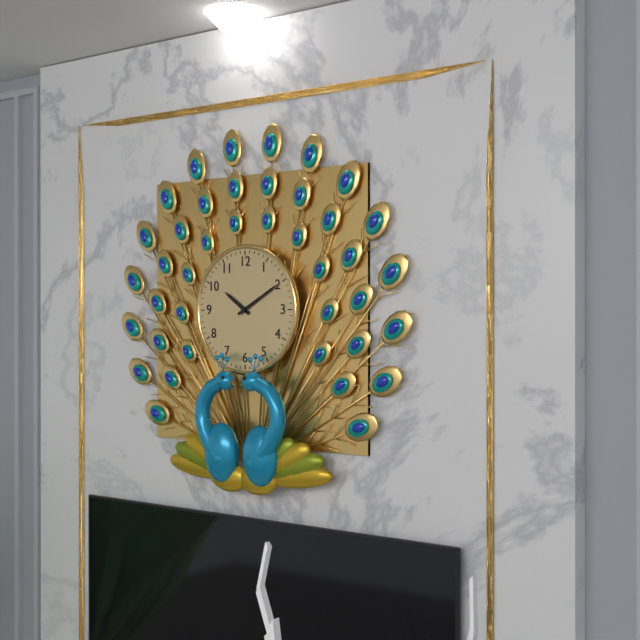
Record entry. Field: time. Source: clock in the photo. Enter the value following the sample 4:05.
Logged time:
10:10
